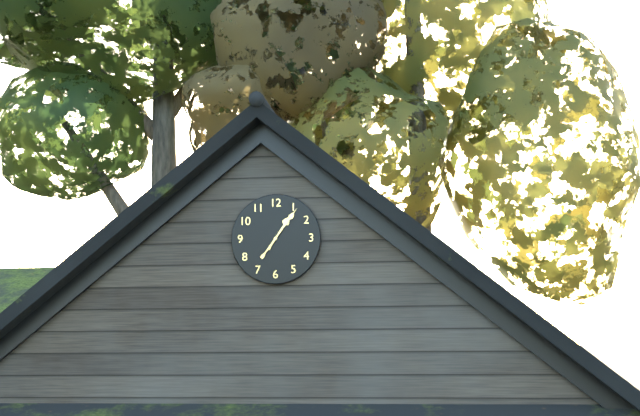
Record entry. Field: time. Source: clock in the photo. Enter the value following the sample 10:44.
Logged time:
1:06
